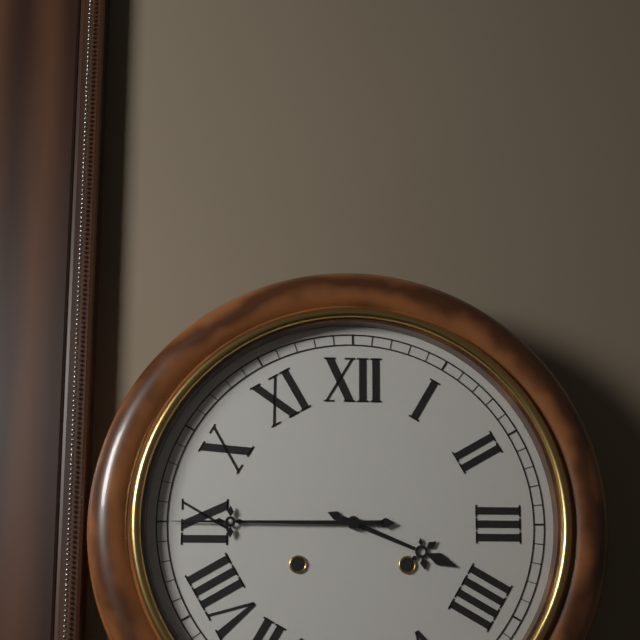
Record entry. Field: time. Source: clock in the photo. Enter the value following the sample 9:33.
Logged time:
3:45
